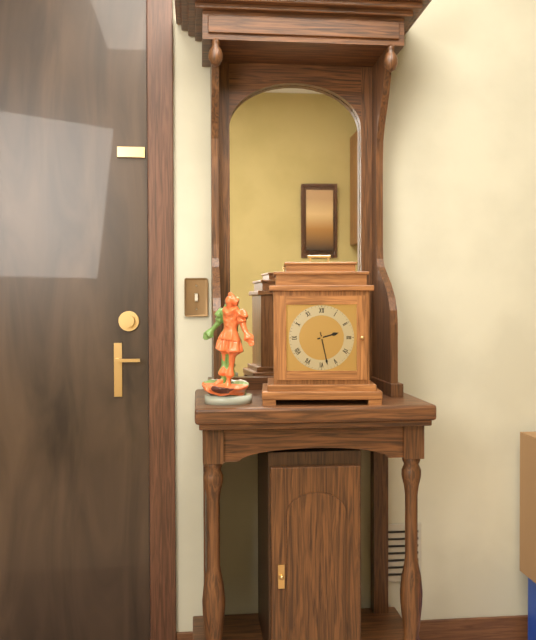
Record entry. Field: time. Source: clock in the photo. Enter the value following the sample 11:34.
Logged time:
2:28
